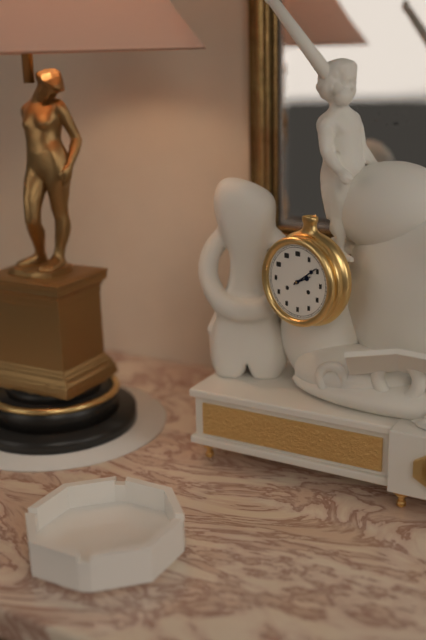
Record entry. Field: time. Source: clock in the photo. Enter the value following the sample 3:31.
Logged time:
2:09
